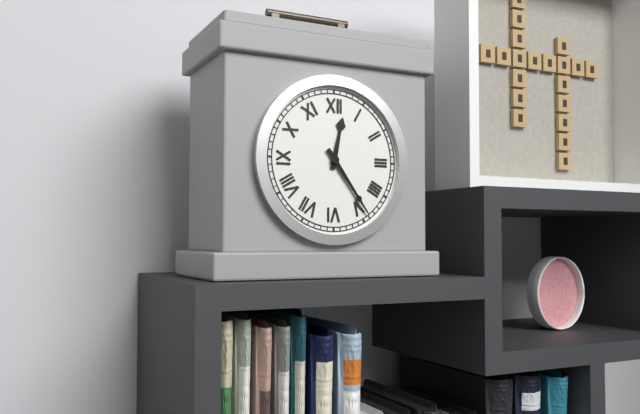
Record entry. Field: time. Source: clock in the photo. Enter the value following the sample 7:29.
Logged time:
12:24
